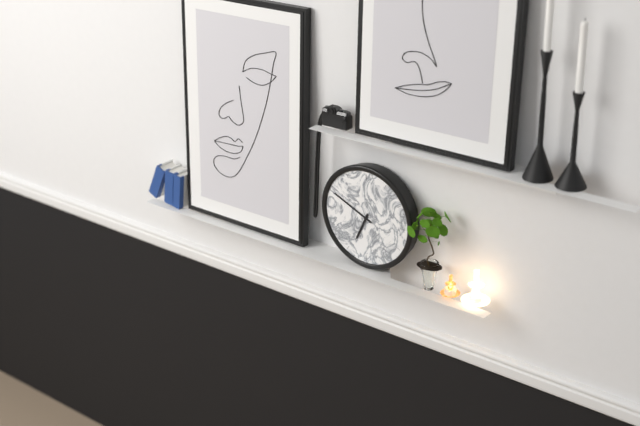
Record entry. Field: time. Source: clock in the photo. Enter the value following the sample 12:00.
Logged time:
6:49
